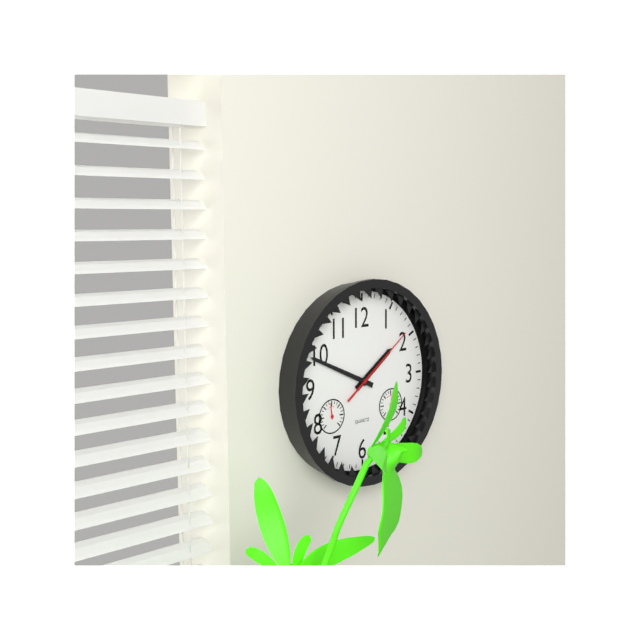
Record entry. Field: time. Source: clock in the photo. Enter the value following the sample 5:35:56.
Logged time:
1:49:09
